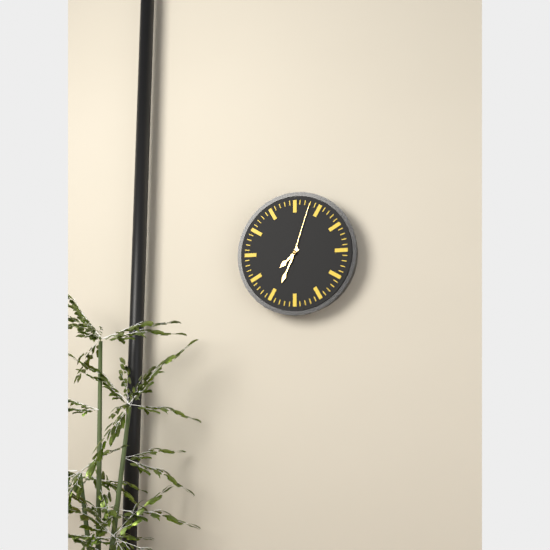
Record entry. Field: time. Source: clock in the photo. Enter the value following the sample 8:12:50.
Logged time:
7:34:03
